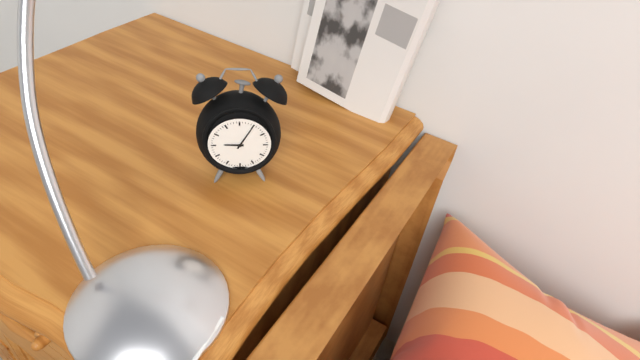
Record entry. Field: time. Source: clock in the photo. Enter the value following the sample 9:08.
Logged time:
9:05
